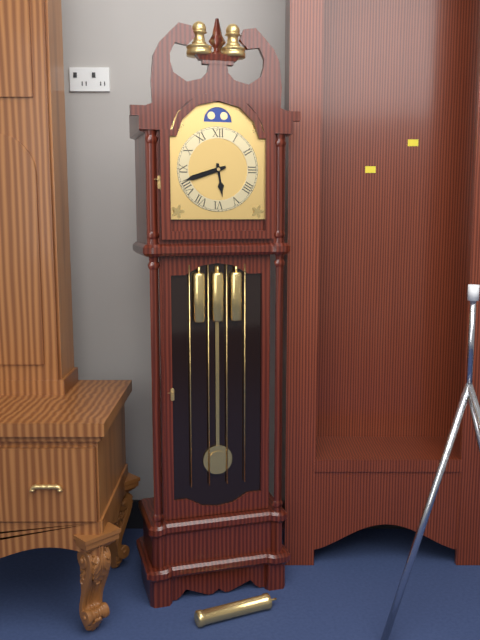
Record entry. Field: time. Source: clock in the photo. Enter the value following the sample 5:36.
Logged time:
5:42
